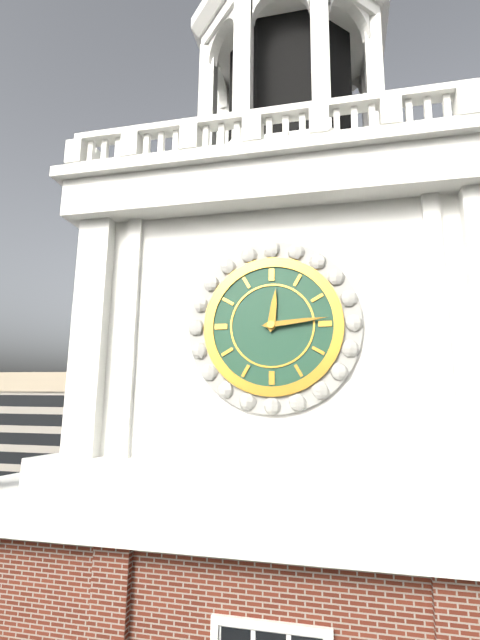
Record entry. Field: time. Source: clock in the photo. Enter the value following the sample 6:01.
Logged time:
12:14
